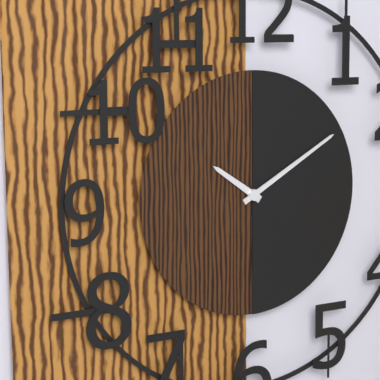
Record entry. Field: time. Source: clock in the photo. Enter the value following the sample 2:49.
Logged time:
10:10
